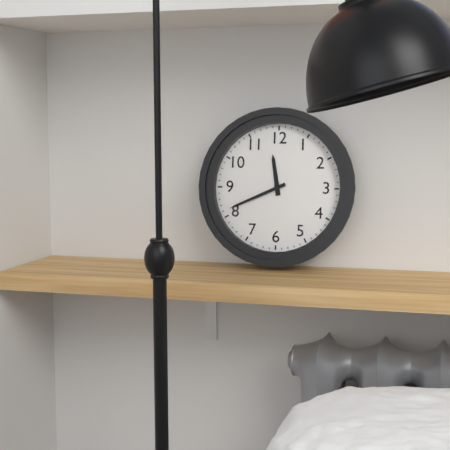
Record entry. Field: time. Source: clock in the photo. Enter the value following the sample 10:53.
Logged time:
11:41
